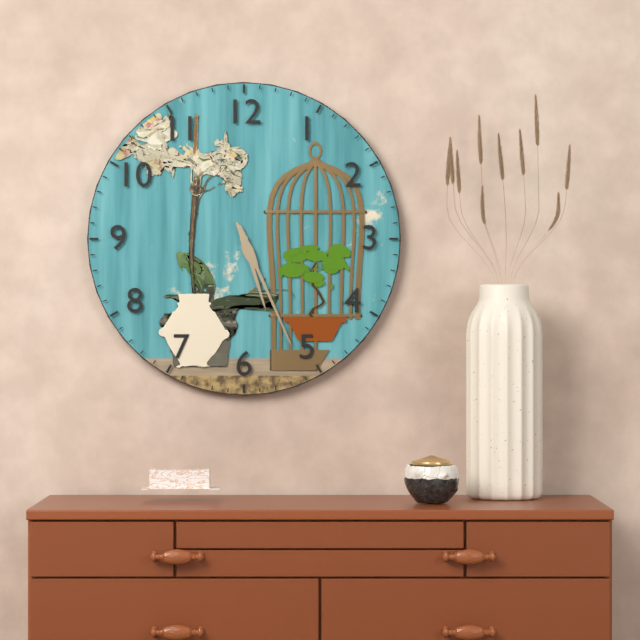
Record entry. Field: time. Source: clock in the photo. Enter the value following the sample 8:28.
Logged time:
5:26
